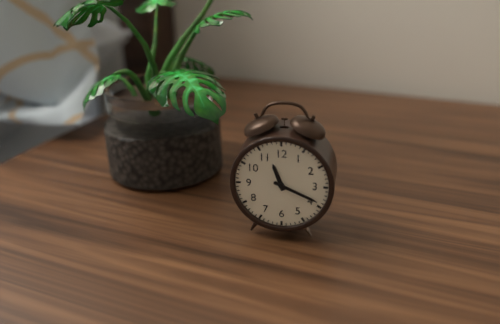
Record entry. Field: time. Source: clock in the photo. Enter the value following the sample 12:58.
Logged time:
11:19
